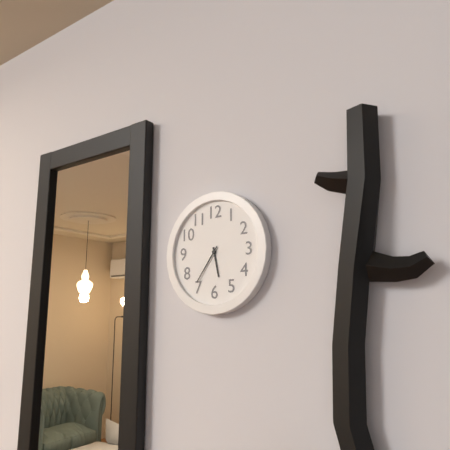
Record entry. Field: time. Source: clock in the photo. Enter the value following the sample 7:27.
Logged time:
5:36
